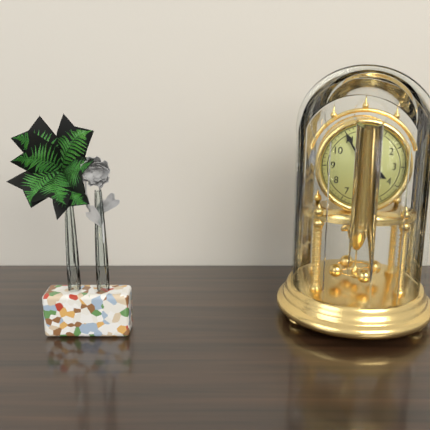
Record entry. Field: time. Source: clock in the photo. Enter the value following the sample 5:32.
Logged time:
3:55
